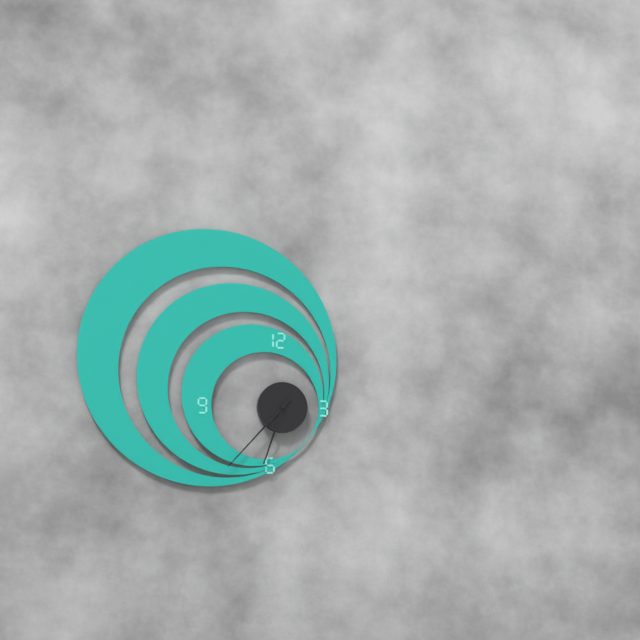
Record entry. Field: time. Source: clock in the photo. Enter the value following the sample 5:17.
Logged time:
6:37
